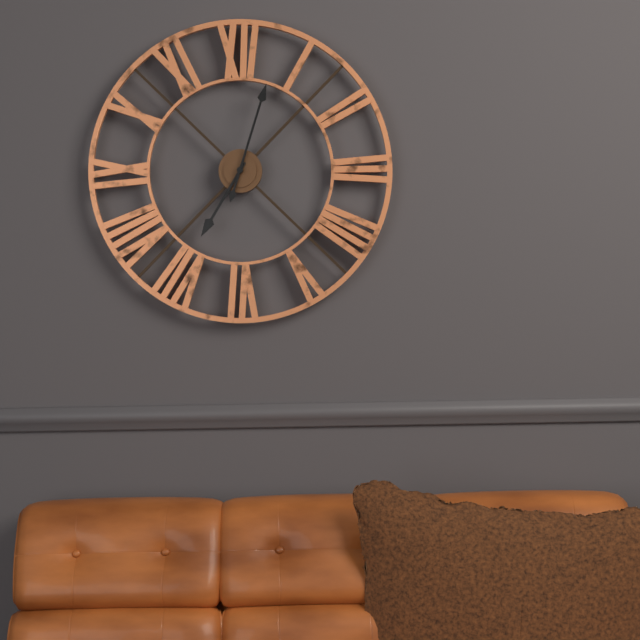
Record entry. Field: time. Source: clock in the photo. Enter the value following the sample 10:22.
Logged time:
7:03
